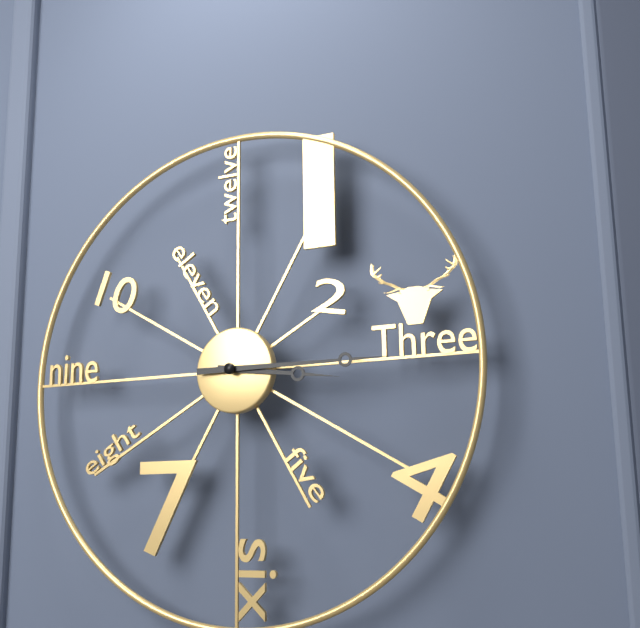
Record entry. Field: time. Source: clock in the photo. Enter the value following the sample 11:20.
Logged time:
3:15
